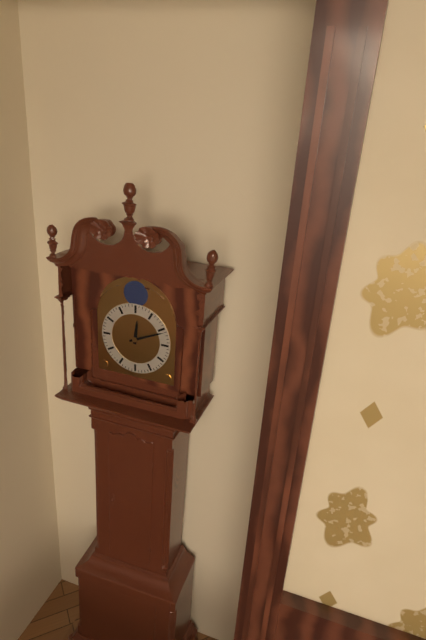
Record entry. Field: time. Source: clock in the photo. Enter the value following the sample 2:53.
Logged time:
12:11
